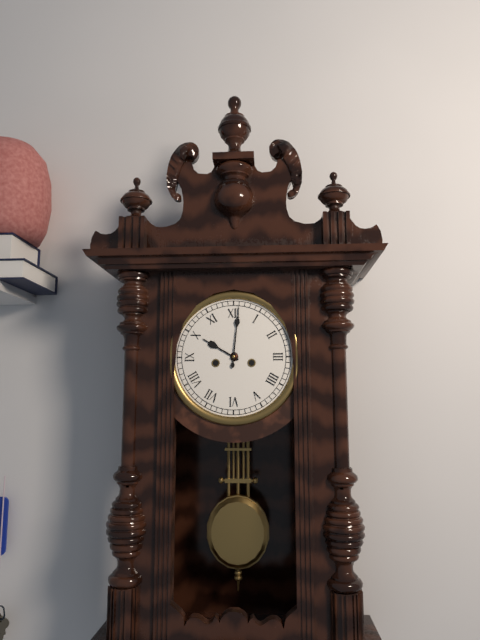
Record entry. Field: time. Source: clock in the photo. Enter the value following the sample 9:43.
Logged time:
10:01
